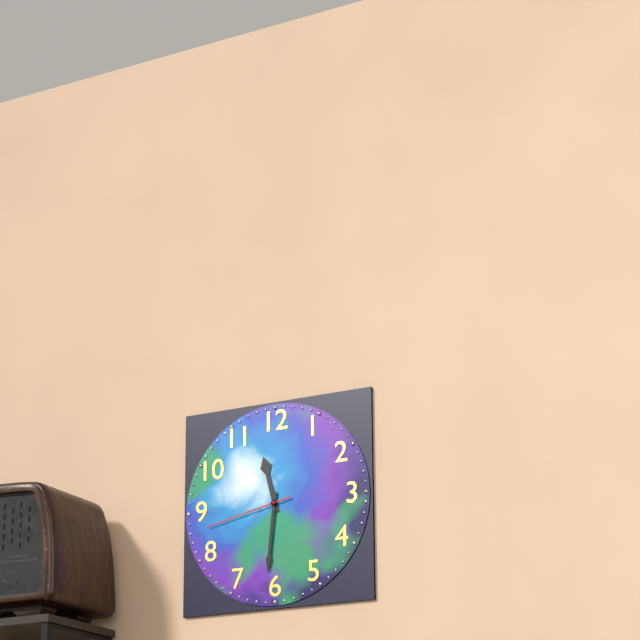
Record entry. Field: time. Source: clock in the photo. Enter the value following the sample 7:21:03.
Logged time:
11:31:43
